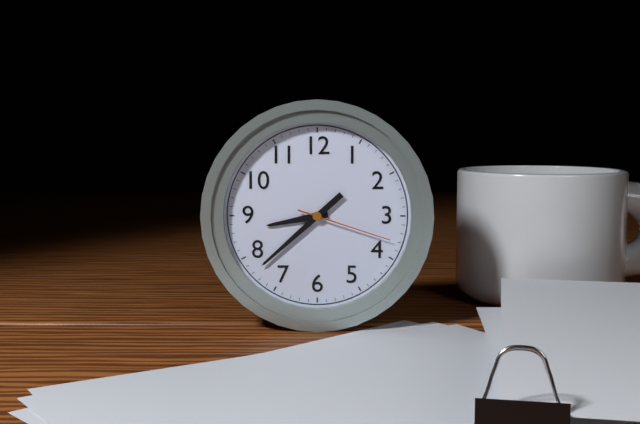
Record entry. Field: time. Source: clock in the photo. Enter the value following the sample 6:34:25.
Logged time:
8:38:18
